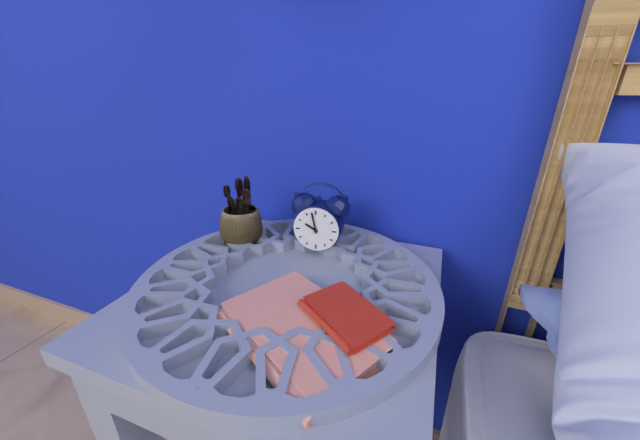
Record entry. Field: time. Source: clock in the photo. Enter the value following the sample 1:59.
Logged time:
9:58
